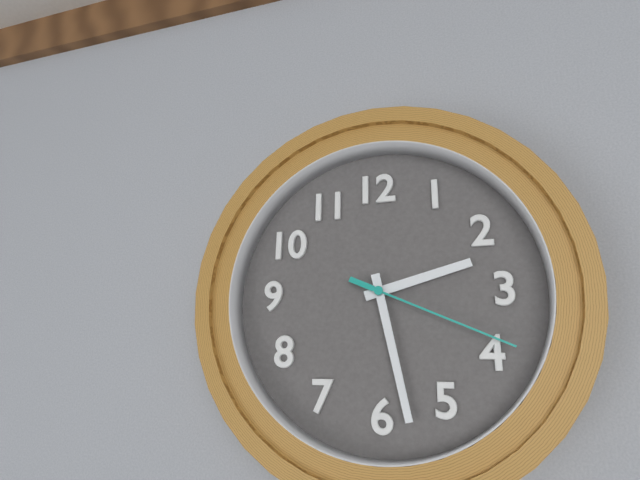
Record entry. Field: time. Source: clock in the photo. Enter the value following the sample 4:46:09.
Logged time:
2:28:19
